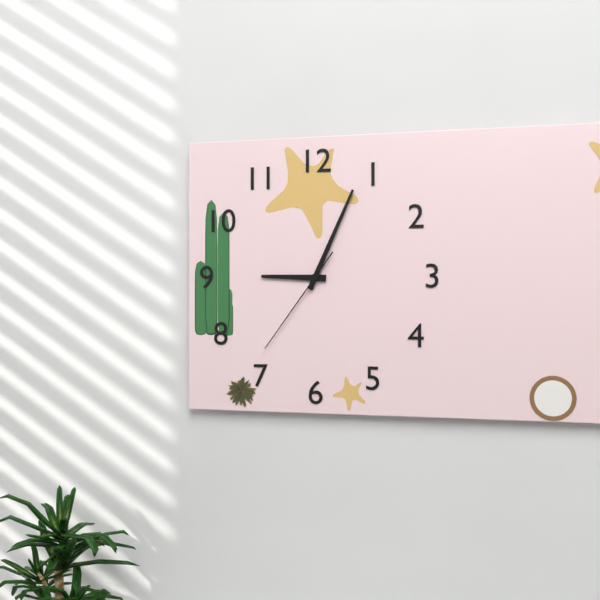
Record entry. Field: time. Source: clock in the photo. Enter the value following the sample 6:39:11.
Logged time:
9:04:36
